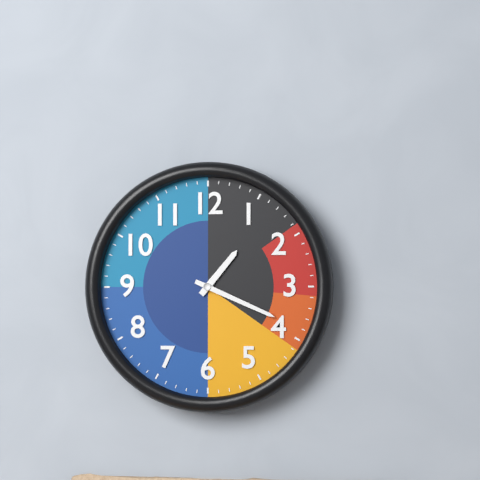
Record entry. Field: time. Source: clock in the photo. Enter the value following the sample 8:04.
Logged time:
1:19
